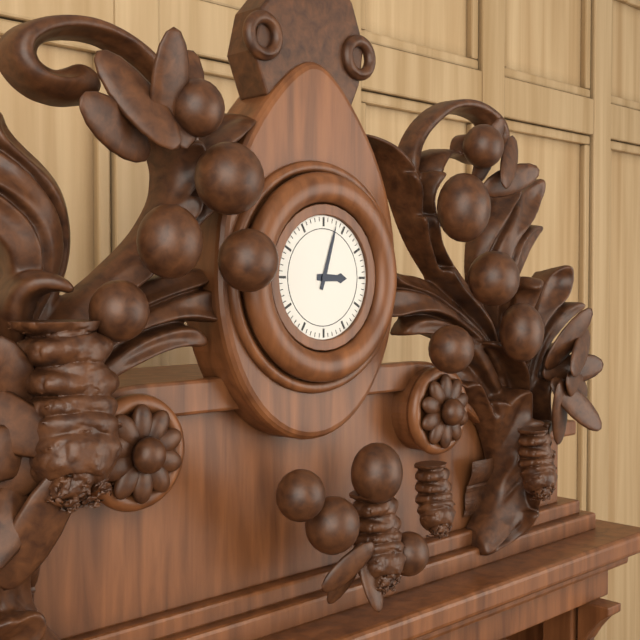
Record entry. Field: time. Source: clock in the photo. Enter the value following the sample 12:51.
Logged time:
3:03
